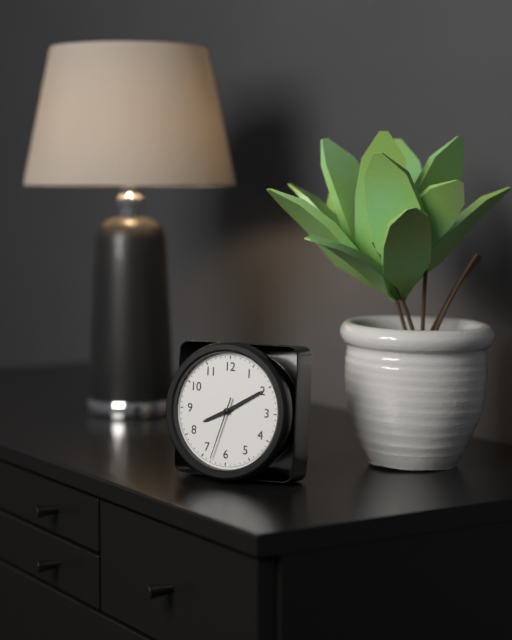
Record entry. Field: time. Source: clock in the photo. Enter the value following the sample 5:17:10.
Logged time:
8:10:33
